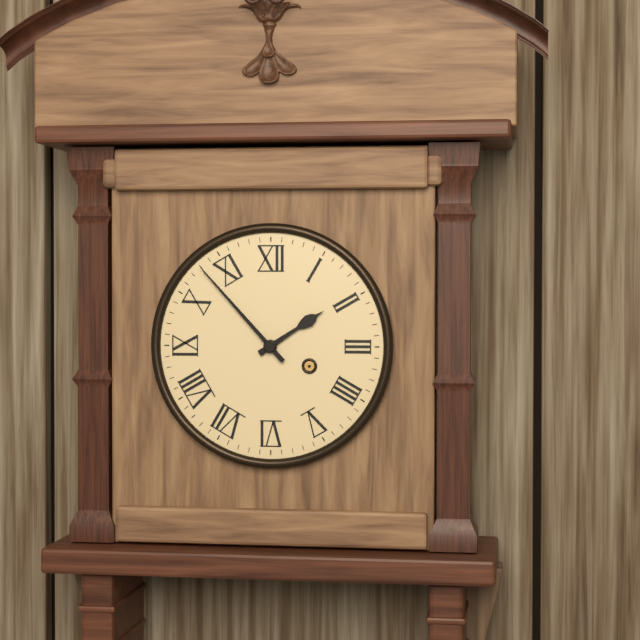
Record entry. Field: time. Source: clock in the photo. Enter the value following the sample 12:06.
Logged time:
1:53
